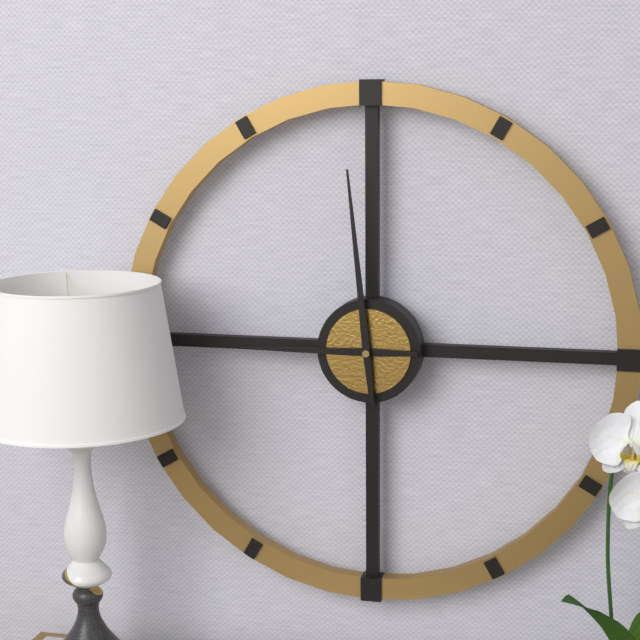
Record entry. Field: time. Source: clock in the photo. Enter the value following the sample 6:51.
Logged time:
8:59
